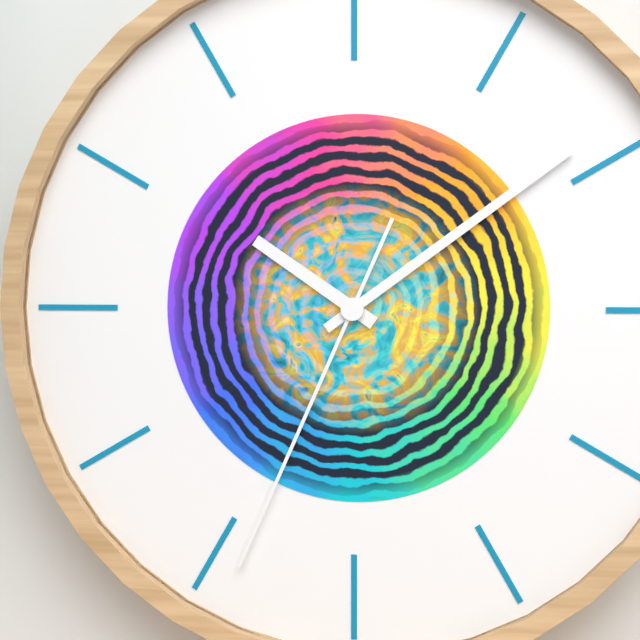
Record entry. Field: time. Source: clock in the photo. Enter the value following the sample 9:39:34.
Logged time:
10:09:34
